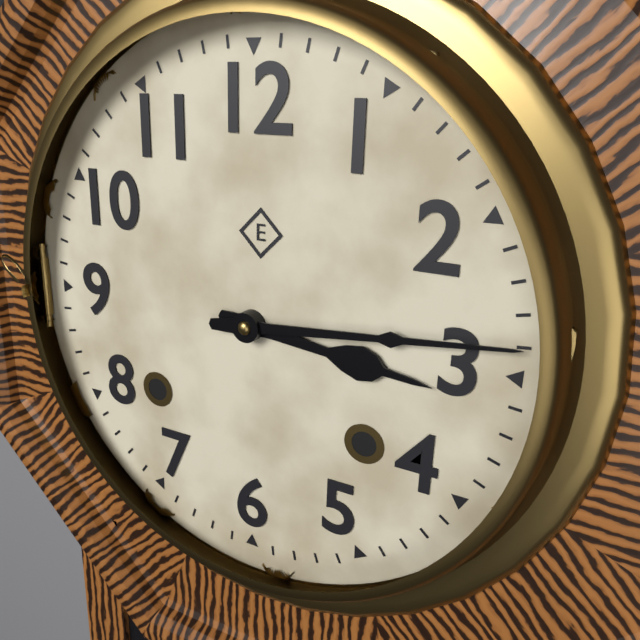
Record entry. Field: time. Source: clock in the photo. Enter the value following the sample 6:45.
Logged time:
3:14
